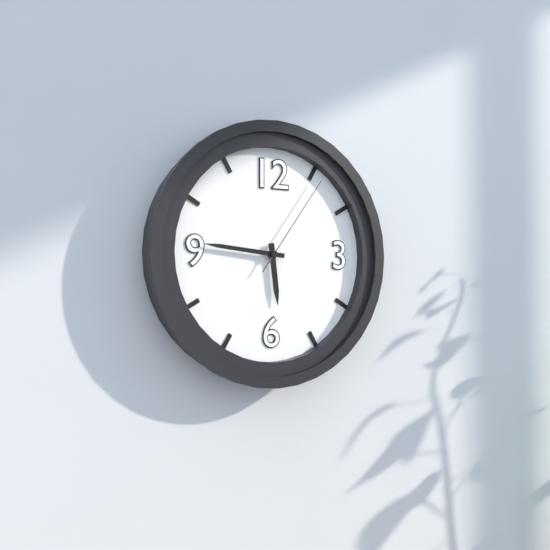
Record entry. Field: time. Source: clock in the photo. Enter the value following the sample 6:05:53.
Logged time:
5:46:06
